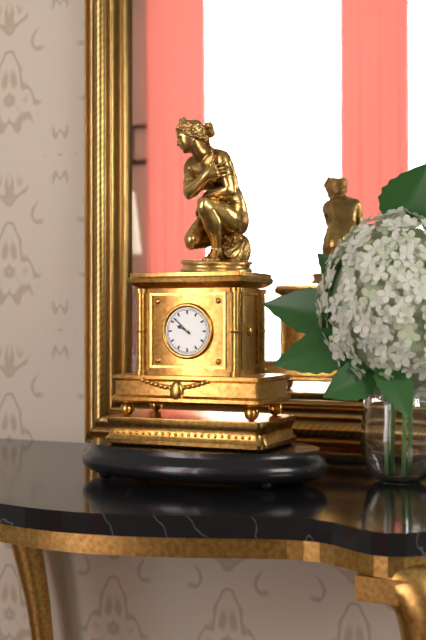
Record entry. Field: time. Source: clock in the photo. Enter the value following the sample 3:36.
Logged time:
9:52
